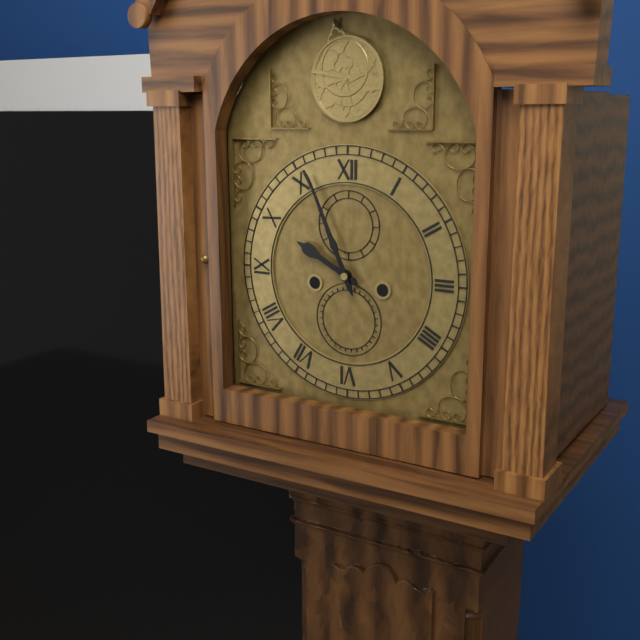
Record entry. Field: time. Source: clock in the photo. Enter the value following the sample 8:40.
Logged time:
9:56
